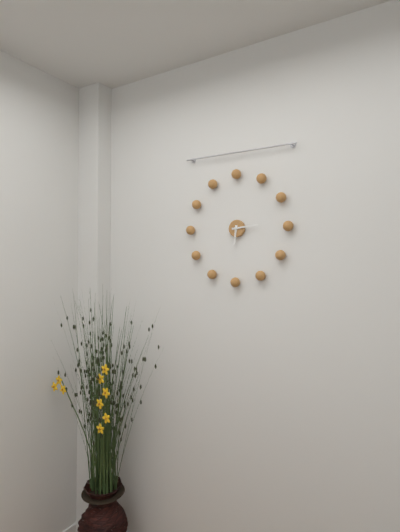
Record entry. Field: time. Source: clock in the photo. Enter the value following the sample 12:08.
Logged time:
6:14
